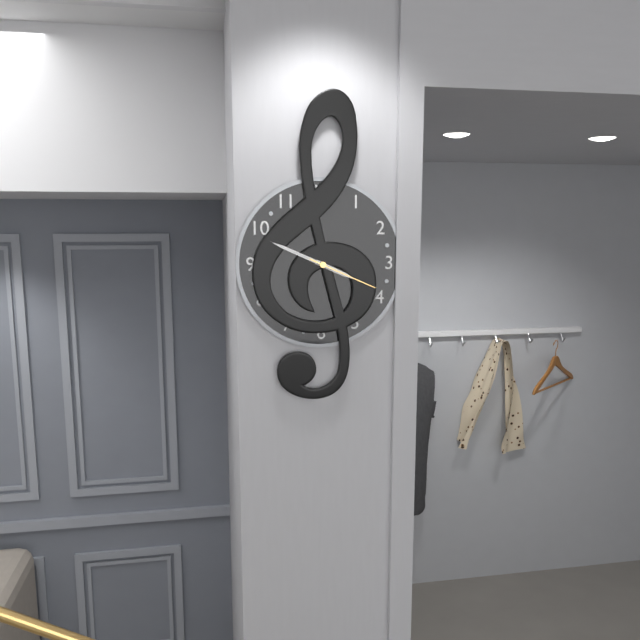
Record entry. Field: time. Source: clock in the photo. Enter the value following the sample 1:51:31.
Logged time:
3:49:19
